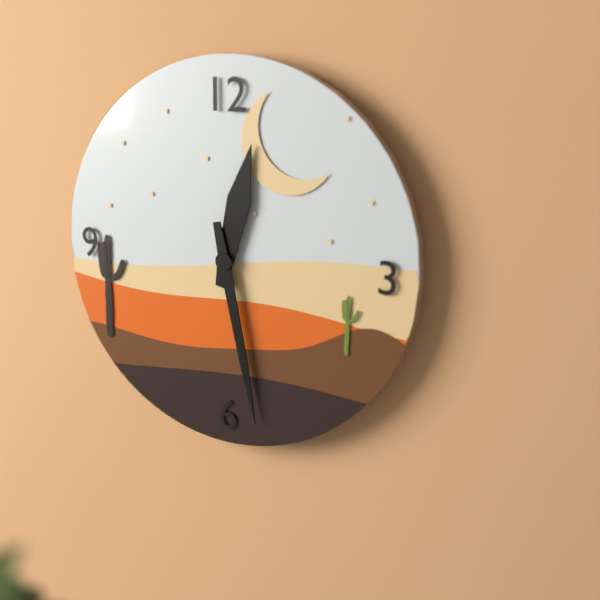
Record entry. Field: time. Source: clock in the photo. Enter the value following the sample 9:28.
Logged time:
12:28
